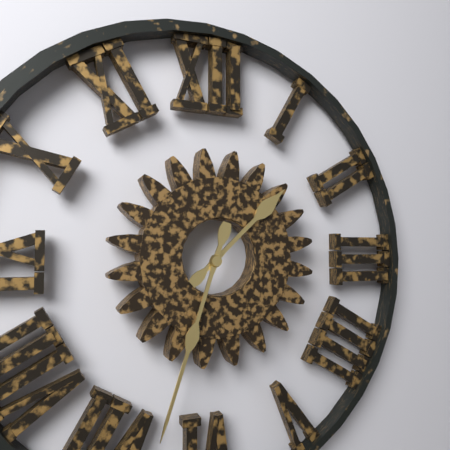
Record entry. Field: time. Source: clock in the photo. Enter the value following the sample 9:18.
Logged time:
1:33
